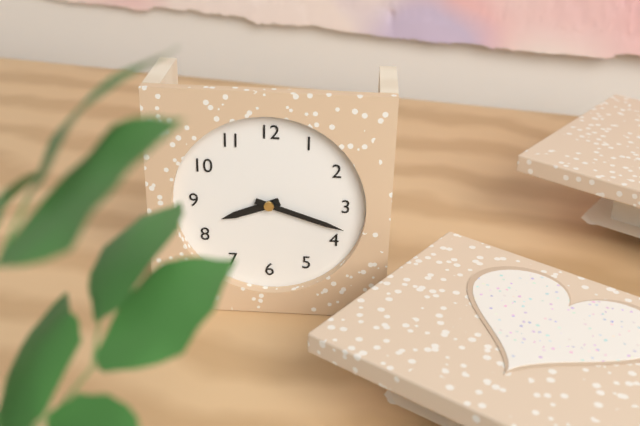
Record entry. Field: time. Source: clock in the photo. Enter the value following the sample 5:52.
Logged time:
8:18
